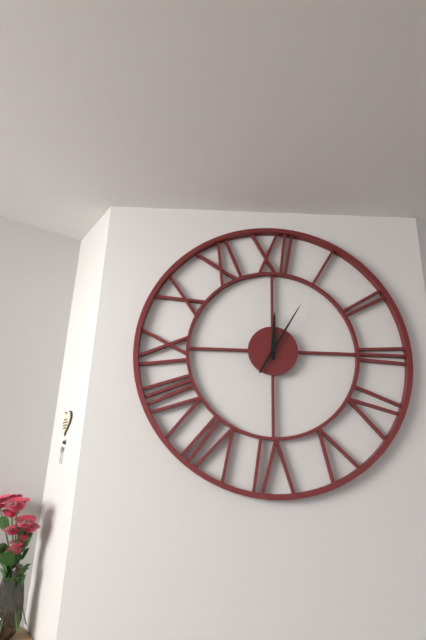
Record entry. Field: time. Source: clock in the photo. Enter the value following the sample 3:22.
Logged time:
12:05
